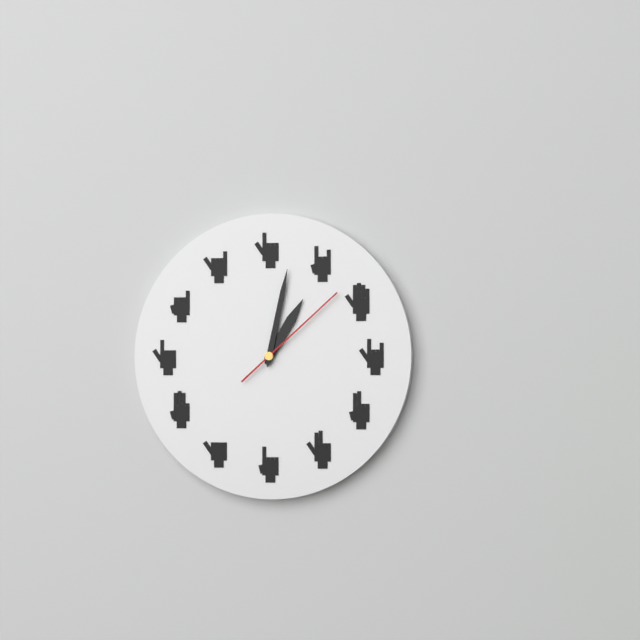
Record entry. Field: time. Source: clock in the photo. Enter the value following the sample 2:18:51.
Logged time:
1:02:08
